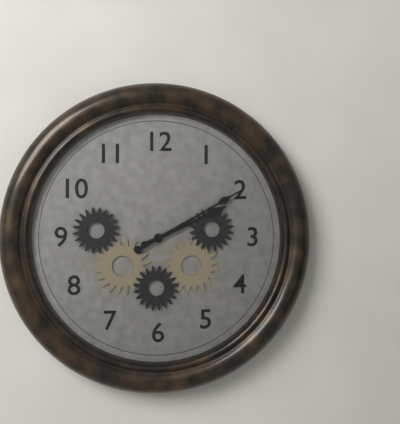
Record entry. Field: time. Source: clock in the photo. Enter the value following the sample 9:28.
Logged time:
2:10
